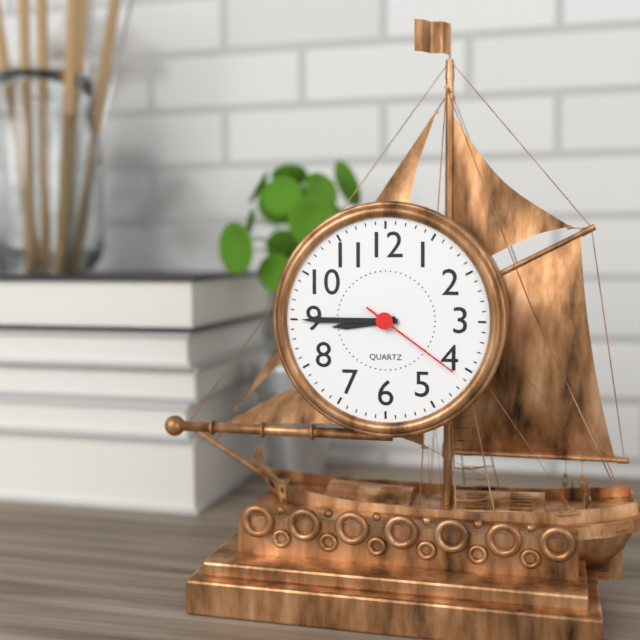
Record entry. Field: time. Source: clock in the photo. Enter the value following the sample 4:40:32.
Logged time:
8:45:21
